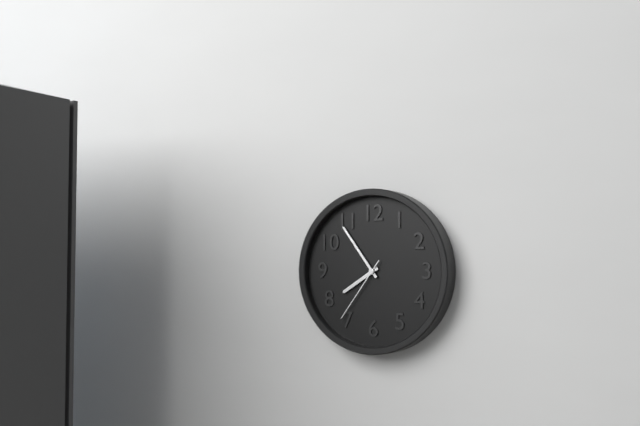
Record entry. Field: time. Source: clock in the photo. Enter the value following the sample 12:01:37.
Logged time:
7:54:36
